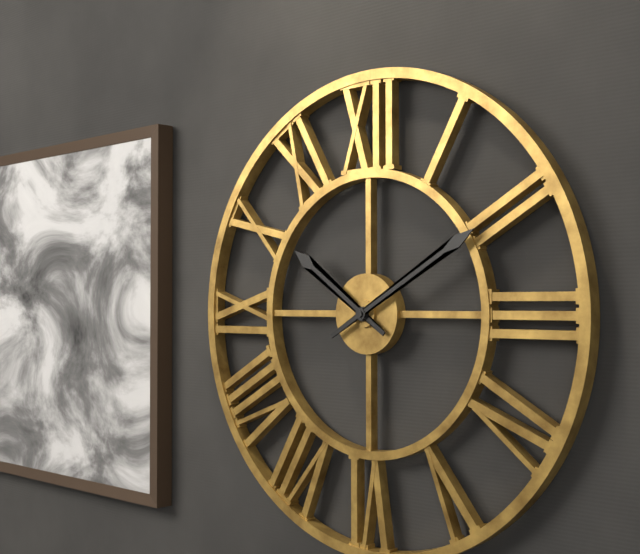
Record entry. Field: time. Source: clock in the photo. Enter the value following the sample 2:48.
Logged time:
10:10
